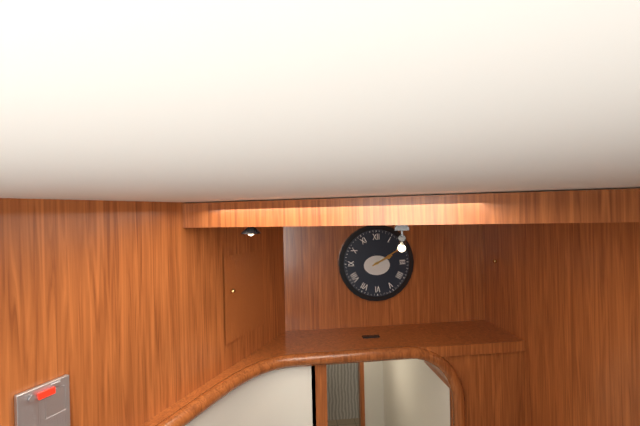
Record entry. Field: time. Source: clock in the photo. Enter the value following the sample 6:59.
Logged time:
2:10
